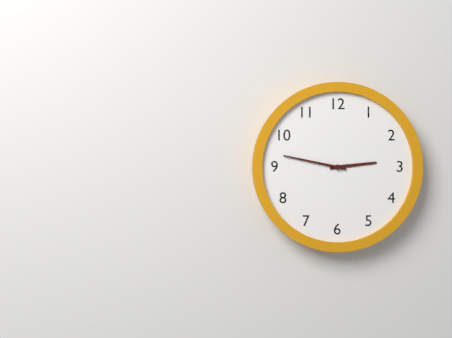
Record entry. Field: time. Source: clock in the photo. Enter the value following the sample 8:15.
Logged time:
2:47
